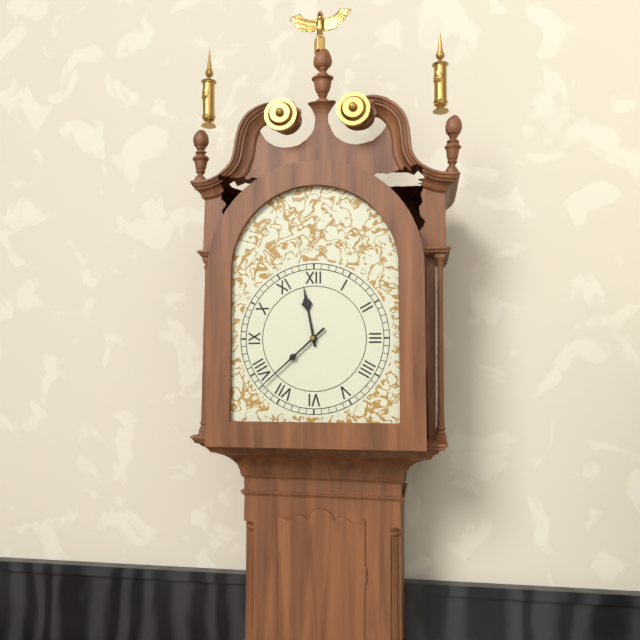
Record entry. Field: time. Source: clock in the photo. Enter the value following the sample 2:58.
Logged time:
11:38
